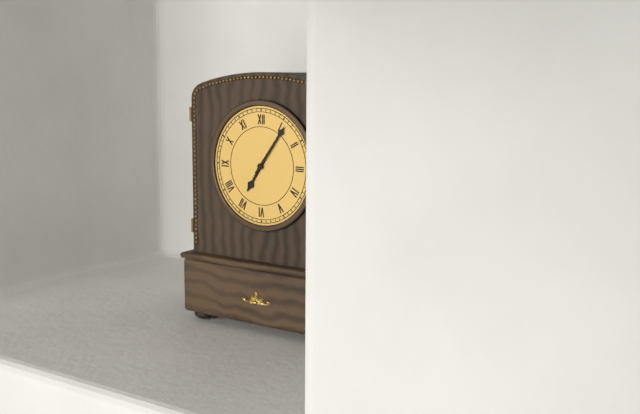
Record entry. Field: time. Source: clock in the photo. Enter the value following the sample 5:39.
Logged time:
7:06
